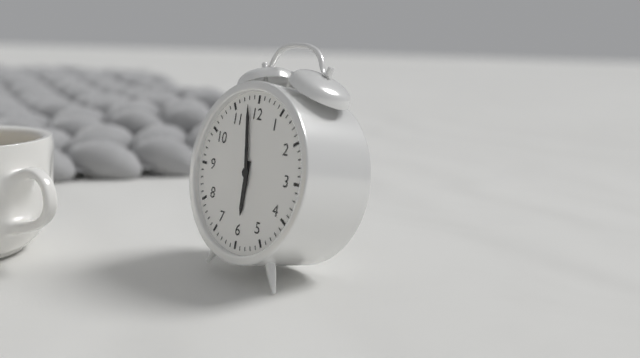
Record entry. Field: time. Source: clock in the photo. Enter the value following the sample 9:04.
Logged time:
5:58
